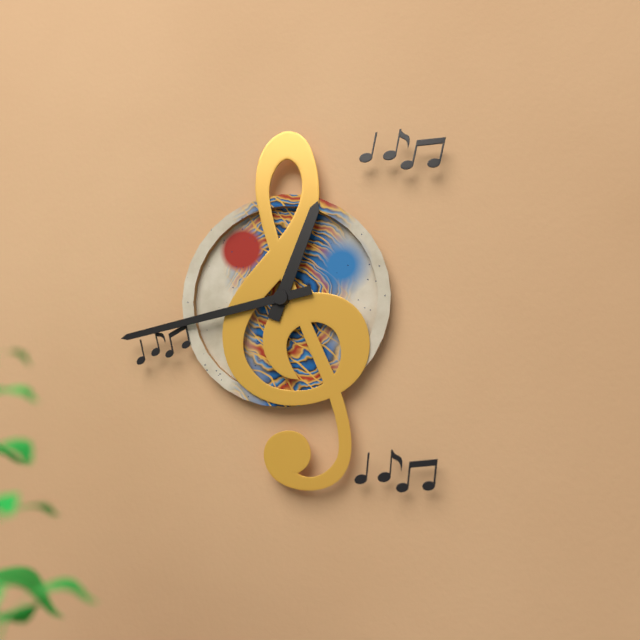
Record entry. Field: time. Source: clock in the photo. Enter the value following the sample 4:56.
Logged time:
12:43
